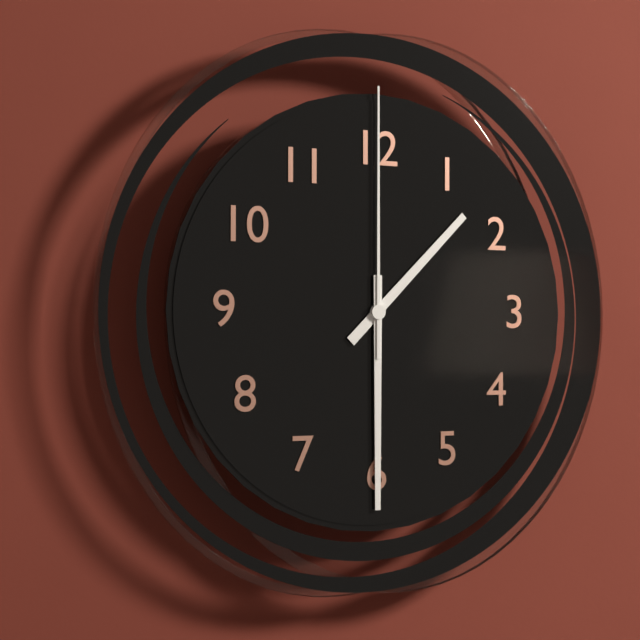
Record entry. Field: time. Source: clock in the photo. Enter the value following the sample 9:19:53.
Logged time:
1:30:00
